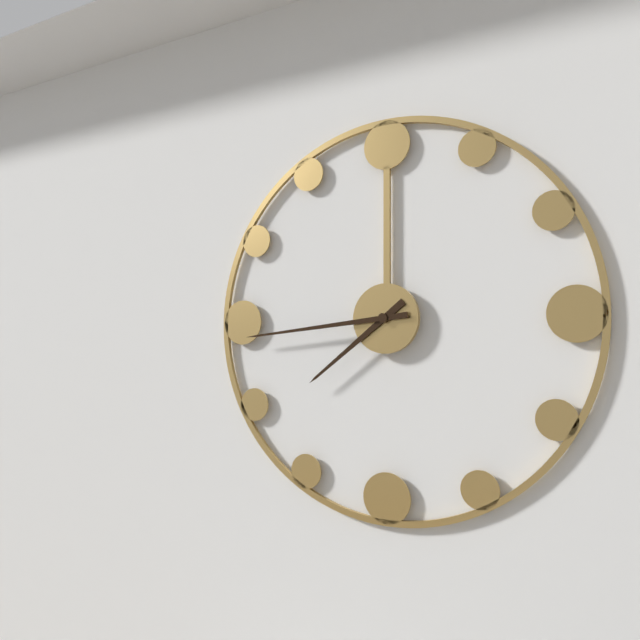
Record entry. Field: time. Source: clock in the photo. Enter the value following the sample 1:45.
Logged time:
7:44
